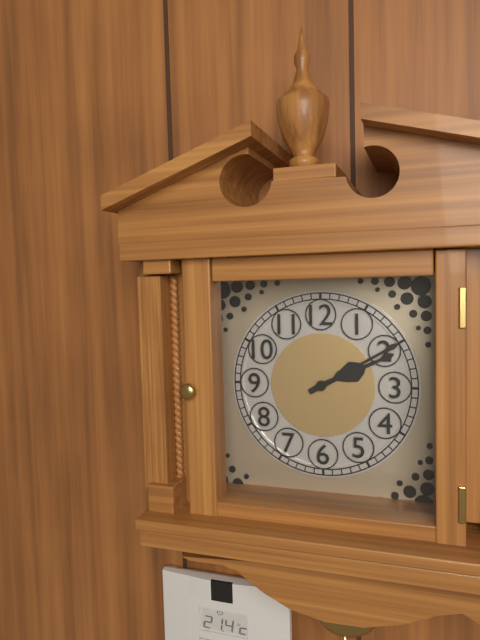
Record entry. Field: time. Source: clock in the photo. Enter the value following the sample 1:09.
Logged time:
2:10
